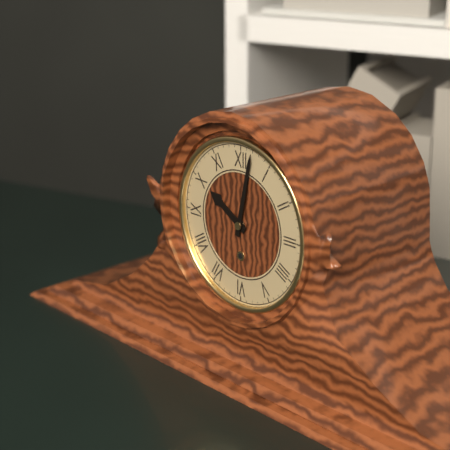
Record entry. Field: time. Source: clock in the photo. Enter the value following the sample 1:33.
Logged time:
10:02
